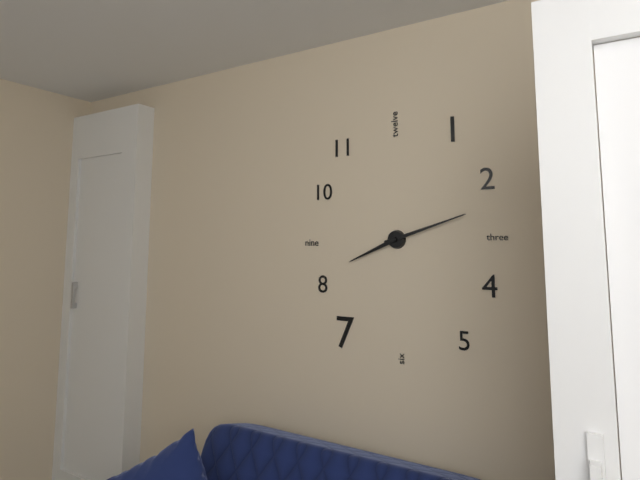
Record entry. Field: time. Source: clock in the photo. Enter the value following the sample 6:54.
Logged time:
8:12
